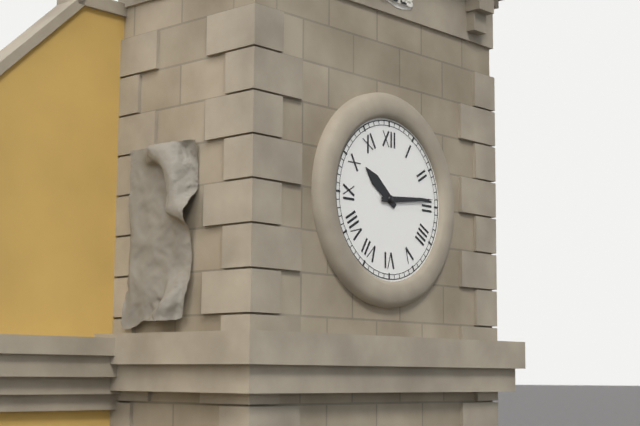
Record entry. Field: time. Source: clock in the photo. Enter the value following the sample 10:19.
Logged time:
10:14
